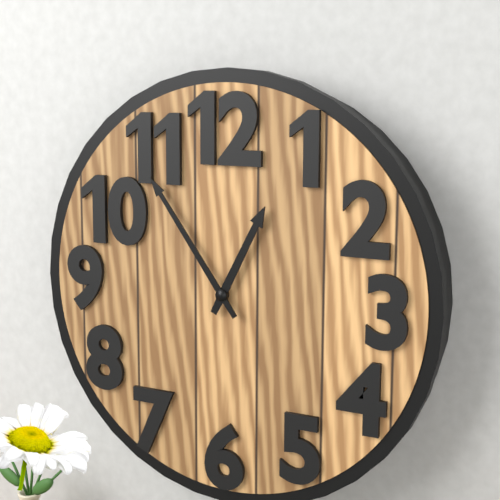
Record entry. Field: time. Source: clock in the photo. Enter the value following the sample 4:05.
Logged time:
12:54
